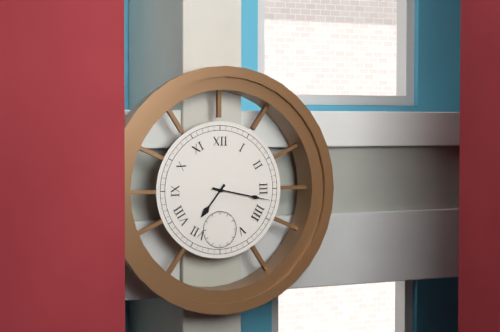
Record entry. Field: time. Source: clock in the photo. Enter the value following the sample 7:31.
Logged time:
7:17
